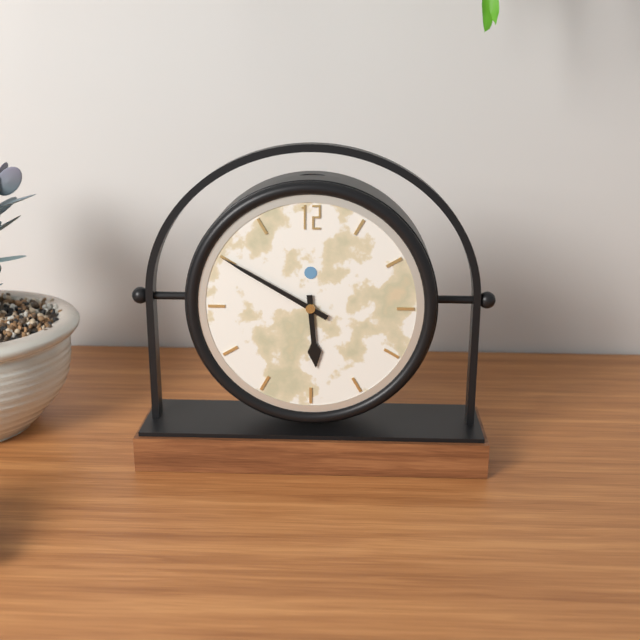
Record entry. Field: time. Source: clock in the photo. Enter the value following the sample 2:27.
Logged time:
5:50
